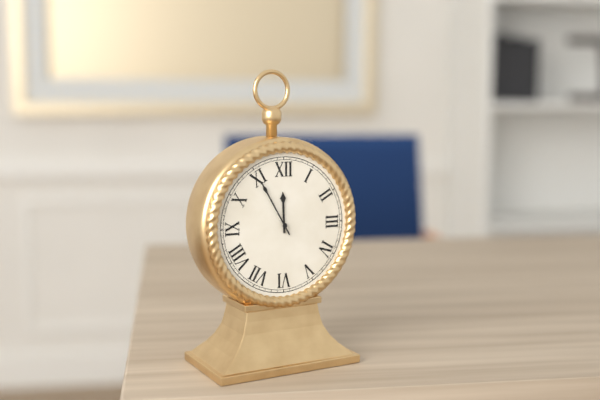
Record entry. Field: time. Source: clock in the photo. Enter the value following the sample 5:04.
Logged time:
11:55
